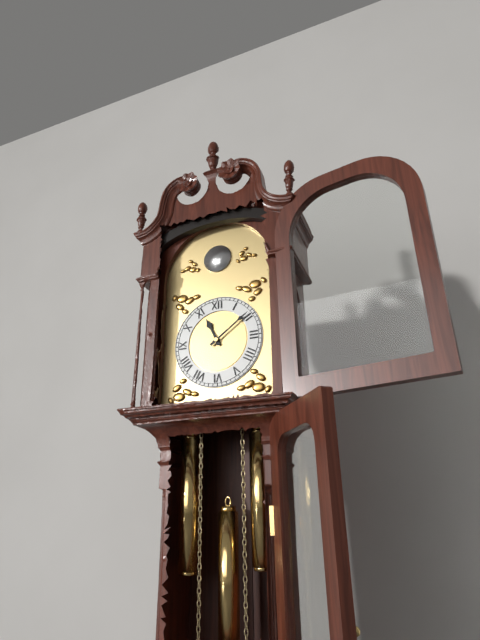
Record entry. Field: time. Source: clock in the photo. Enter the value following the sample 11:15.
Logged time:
11:09
